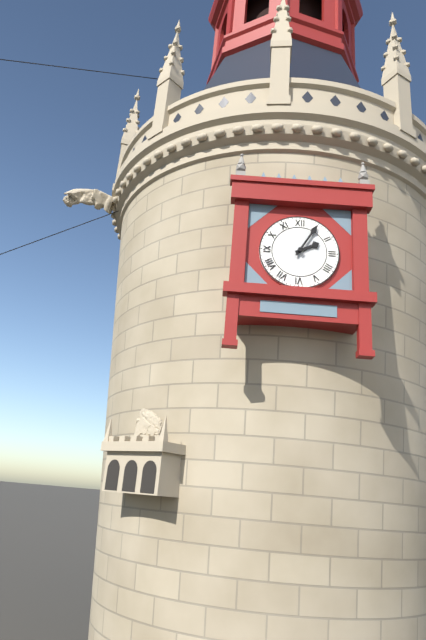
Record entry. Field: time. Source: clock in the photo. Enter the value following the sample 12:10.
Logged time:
2:05
